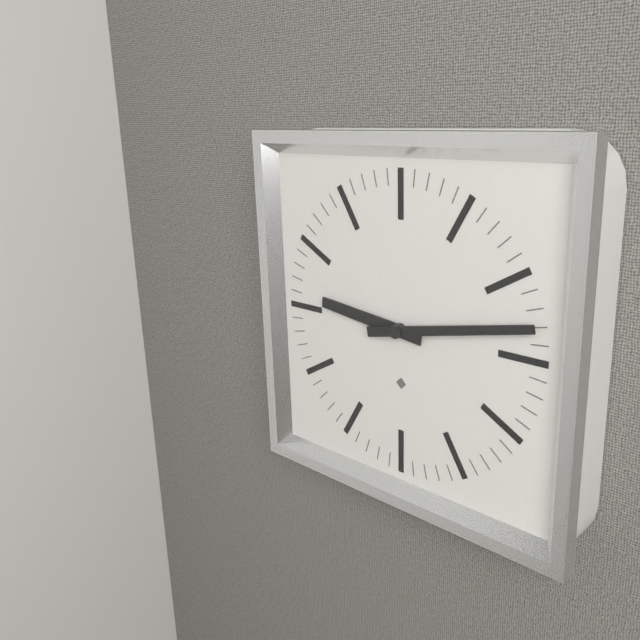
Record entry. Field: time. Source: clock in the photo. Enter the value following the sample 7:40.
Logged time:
9:13
